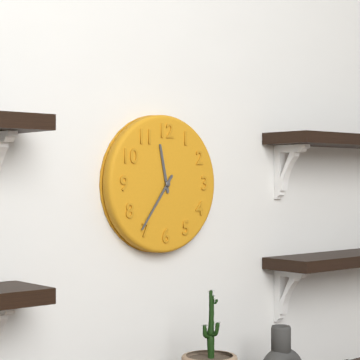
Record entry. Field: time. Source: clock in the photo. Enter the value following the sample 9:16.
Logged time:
11:36
